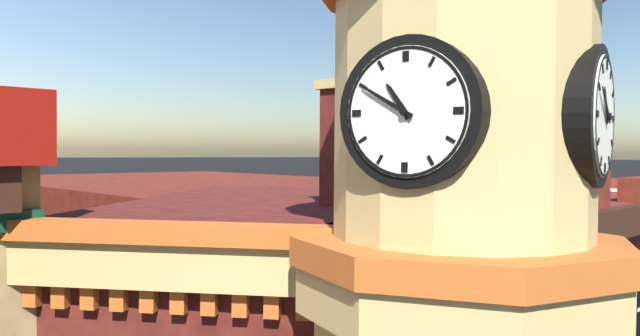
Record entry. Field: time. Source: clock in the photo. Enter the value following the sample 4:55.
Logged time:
10:50
